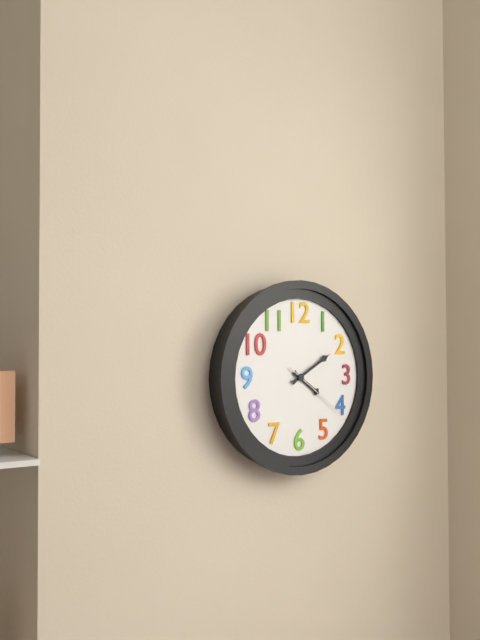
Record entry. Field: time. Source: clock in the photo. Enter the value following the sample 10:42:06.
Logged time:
4:10:21
